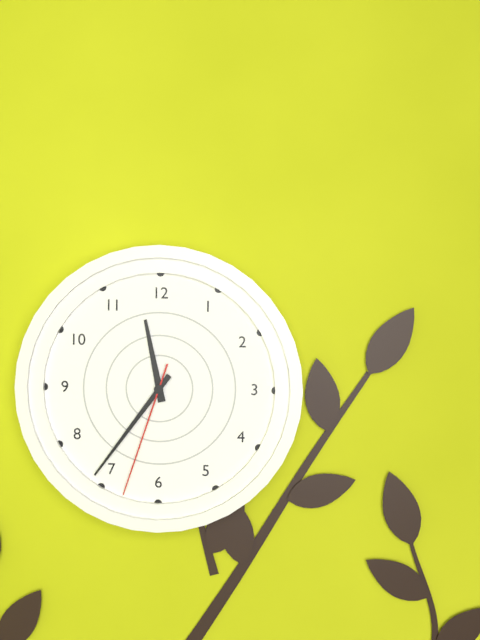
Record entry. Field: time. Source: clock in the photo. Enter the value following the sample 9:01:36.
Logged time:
11:36:33
